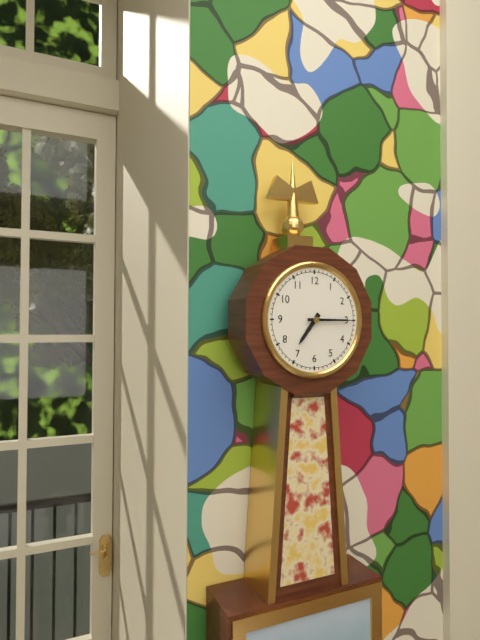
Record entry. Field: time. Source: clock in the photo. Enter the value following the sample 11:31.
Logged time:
7:15
